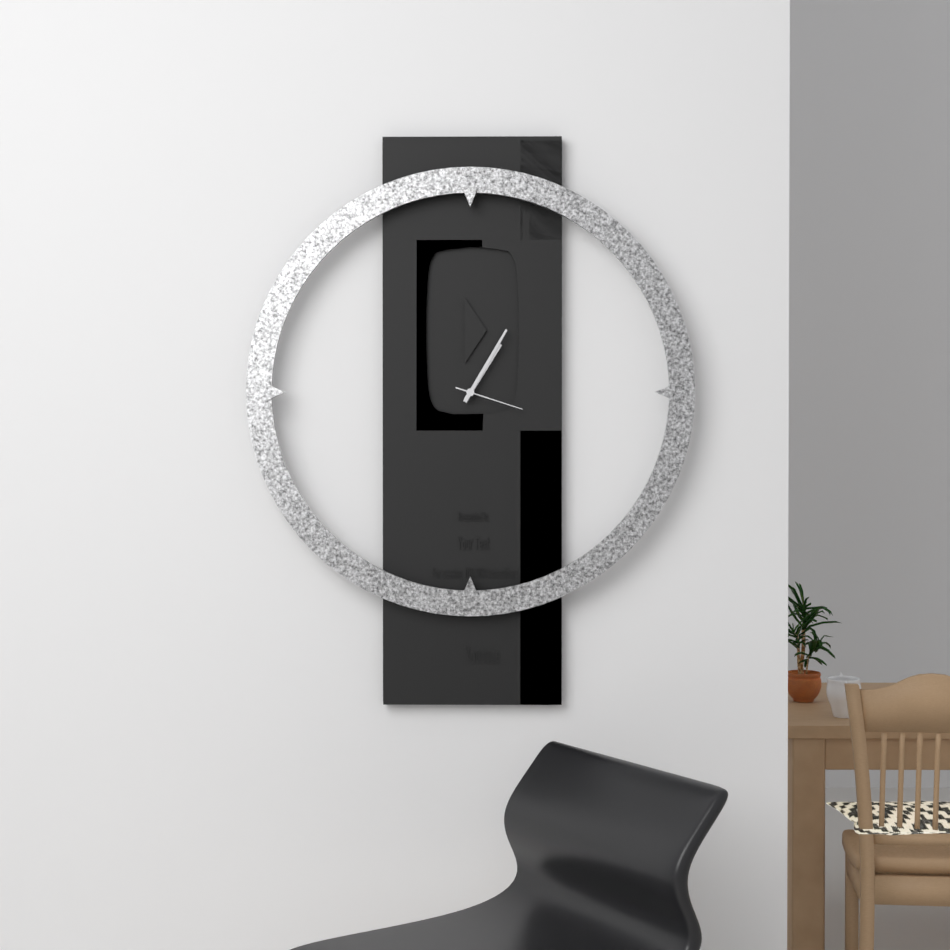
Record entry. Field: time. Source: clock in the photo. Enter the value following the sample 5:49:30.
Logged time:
1:05:18
